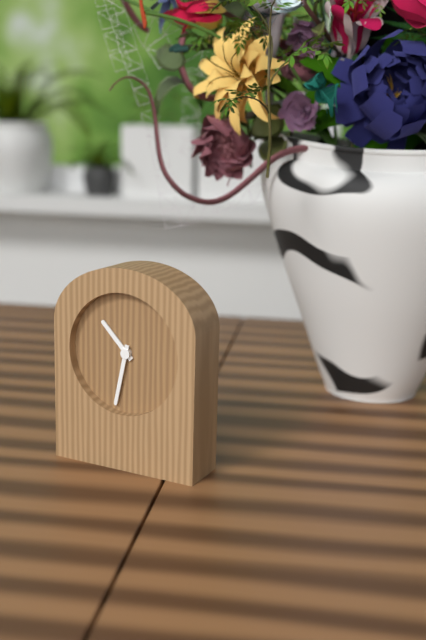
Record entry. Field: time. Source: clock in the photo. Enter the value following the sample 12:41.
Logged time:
10:32
